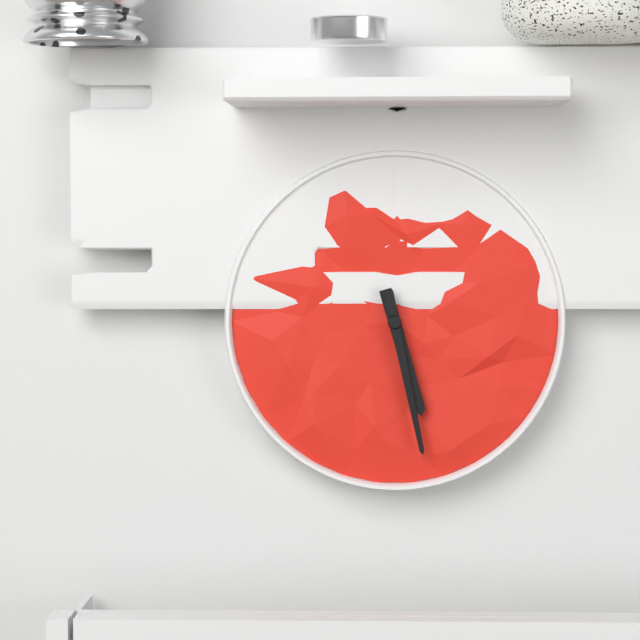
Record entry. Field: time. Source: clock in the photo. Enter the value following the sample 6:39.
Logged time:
5:28
